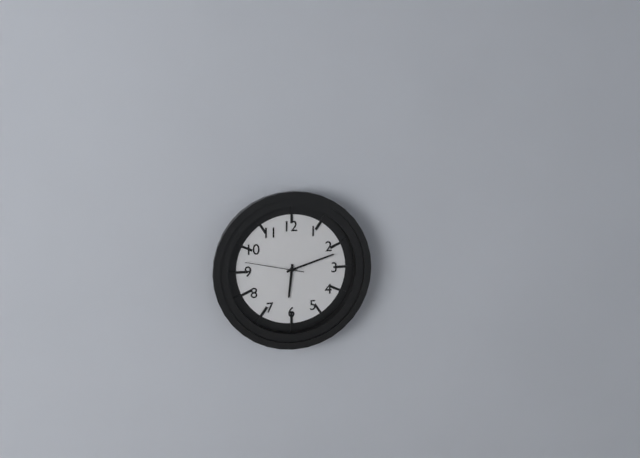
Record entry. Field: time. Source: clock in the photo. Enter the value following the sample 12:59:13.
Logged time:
6:12:47
